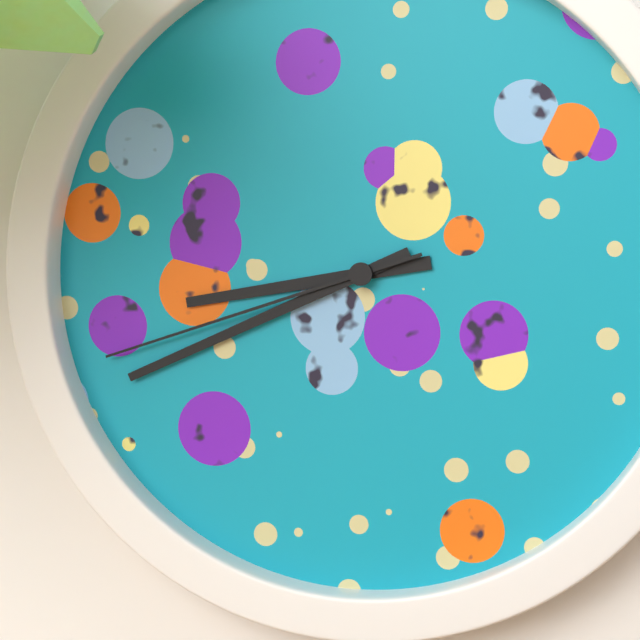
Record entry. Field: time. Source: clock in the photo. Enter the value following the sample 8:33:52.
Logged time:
8:41:42
